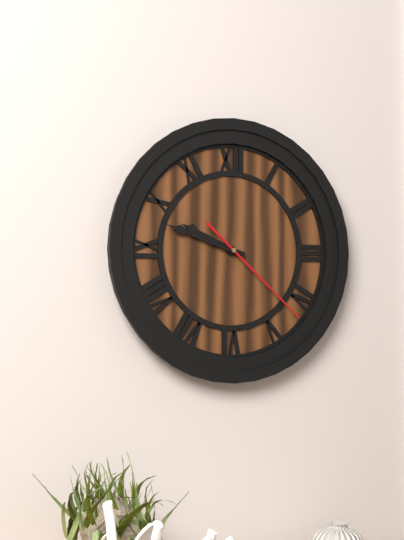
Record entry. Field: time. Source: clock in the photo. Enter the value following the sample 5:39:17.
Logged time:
9:48:22
